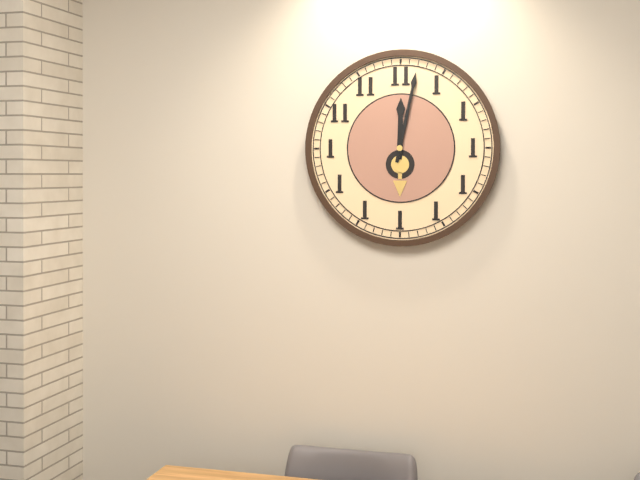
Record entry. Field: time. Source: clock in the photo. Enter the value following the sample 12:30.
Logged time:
12:02
